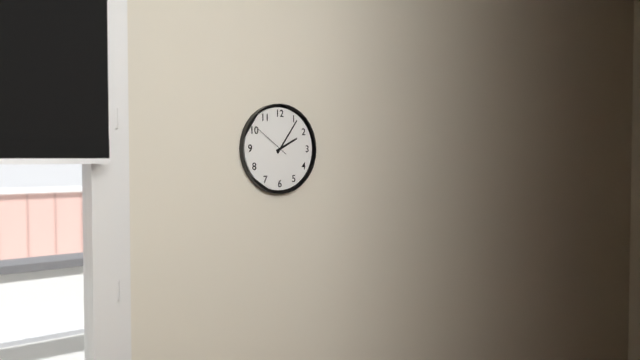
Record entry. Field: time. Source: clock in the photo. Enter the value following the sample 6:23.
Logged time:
2:06
